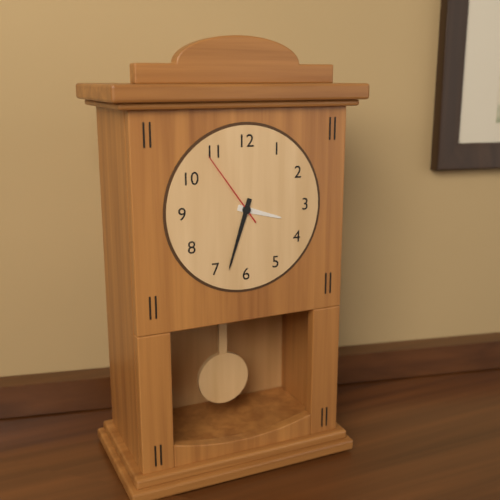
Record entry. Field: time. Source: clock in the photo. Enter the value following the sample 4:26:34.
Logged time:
3:33:54
